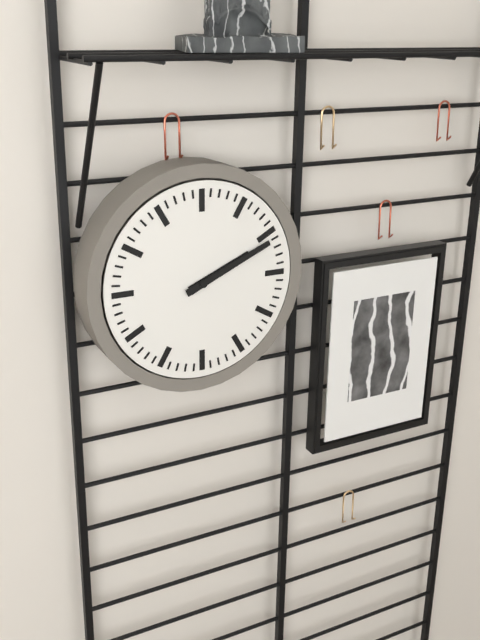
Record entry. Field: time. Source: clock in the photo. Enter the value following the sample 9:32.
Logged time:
2:11
